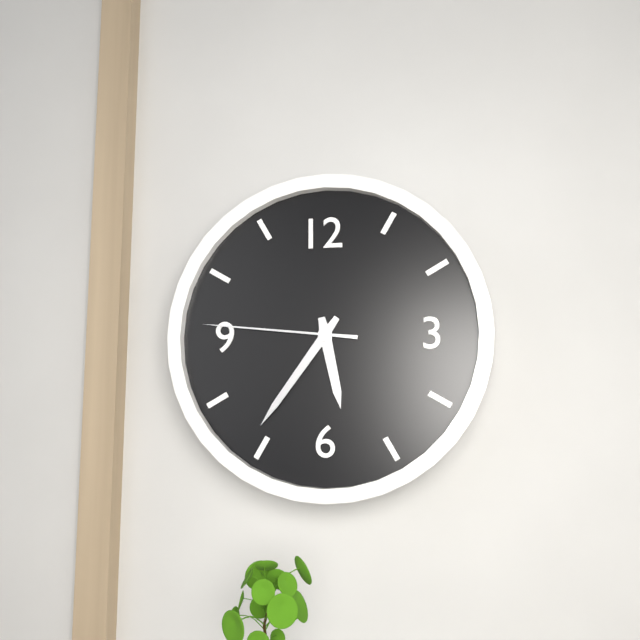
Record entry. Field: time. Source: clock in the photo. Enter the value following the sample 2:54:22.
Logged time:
5:36:46
